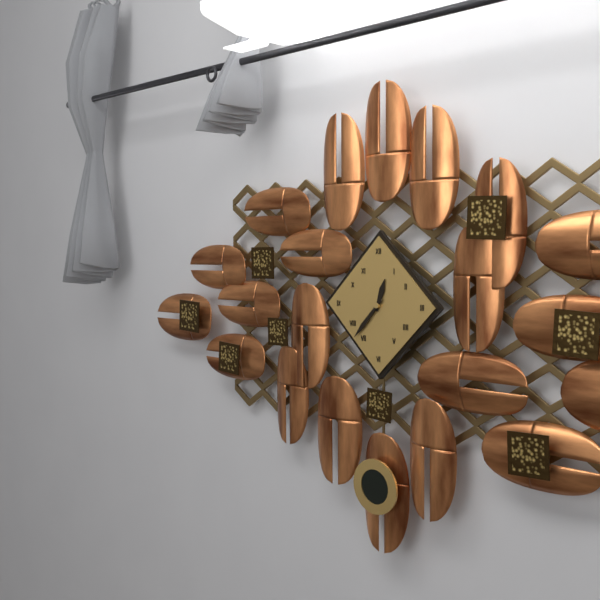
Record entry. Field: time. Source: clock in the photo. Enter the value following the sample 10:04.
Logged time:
12:37
